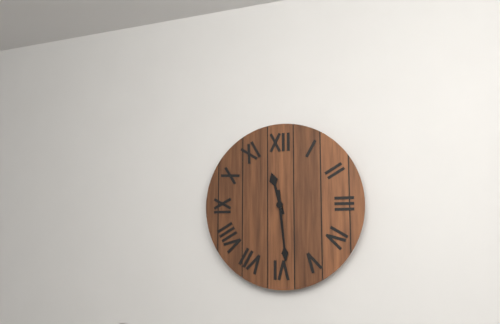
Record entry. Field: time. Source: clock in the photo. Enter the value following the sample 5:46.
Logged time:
11:29
